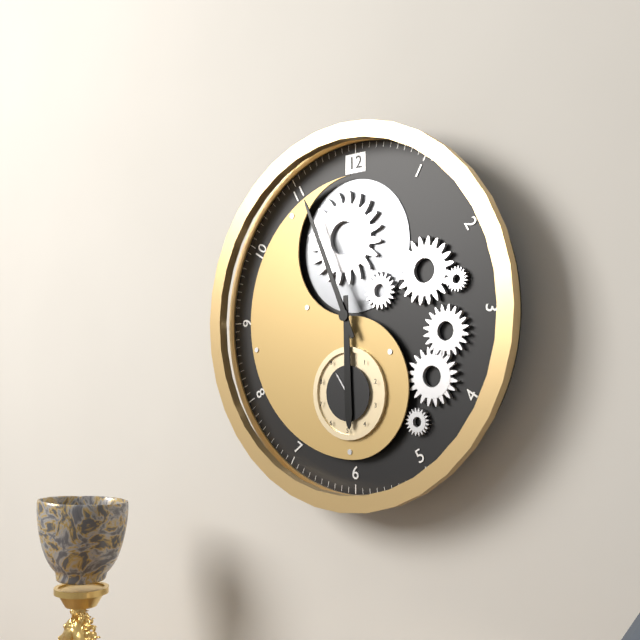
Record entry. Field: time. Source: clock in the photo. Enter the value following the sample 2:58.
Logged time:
5:56
